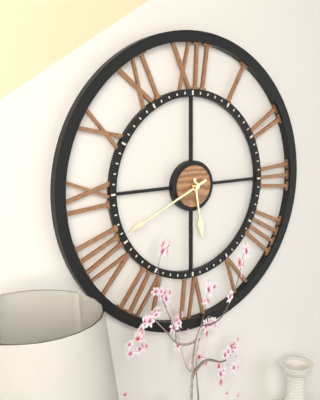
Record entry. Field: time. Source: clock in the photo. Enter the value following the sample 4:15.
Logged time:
5:41
